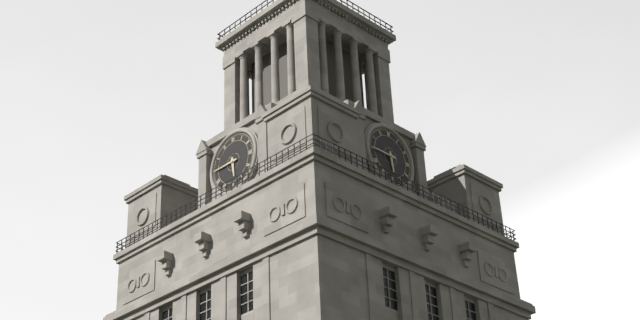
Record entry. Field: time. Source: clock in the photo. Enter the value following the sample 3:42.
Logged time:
5:45
